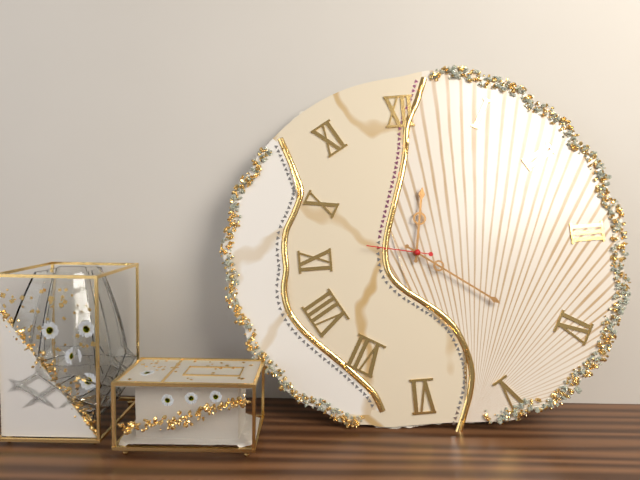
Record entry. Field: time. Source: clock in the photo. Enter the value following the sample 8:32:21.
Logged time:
12:21:47
